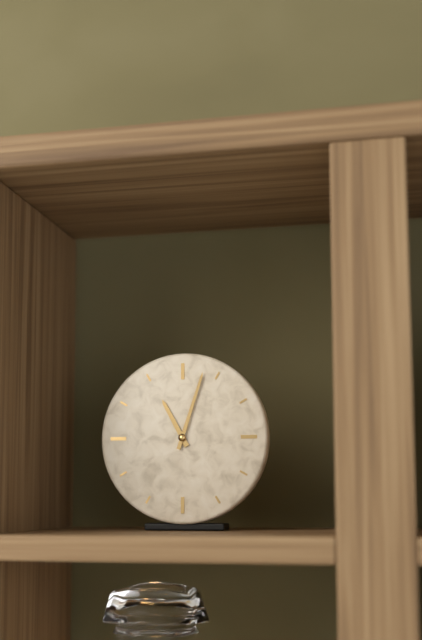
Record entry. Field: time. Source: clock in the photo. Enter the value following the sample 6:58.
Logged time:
11:03
